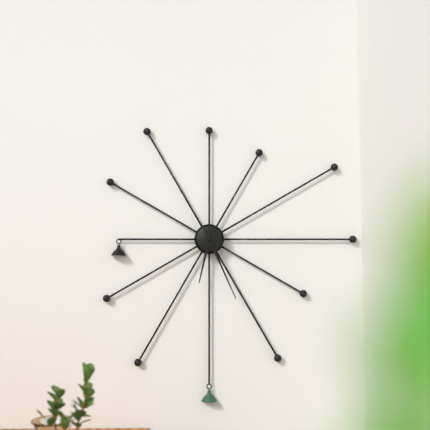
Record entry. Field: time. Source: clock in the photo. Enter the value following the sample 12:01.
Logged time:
6:26
